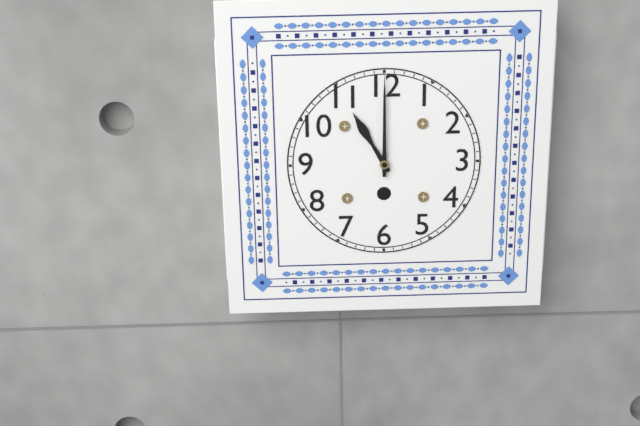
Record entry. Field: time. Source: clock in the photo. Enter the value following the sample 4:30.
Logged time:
11:00
